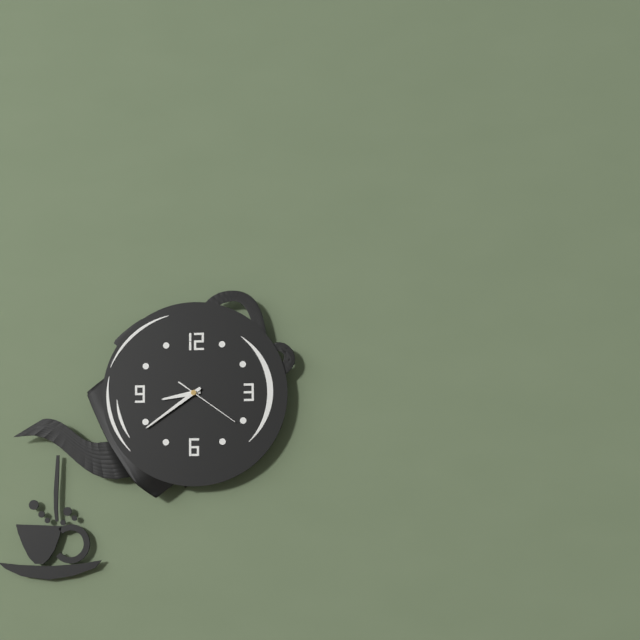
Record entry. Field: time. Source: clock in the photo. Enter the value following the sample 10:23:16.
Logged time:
8:39:21
